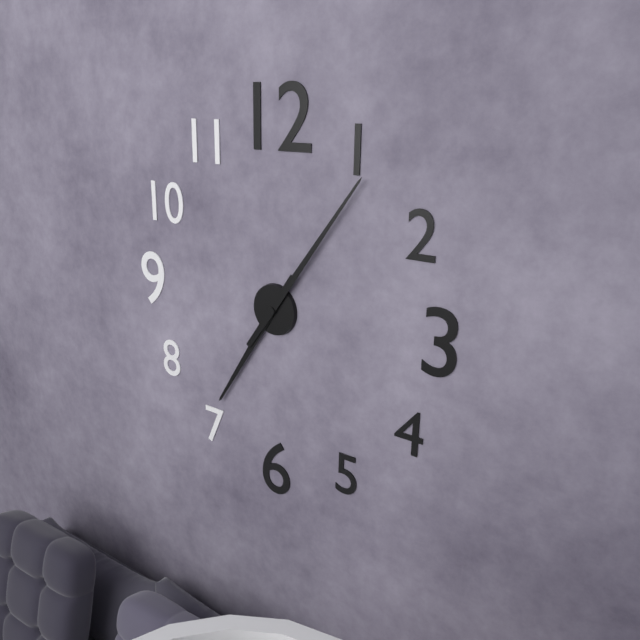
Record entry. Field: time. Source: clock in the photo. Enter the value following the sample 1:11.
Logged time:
7:06
